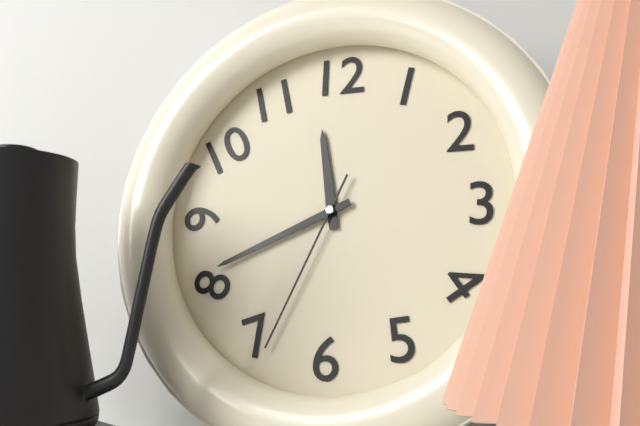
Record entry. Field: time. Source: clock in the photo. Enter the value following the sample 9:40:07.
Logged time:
11:41:34
